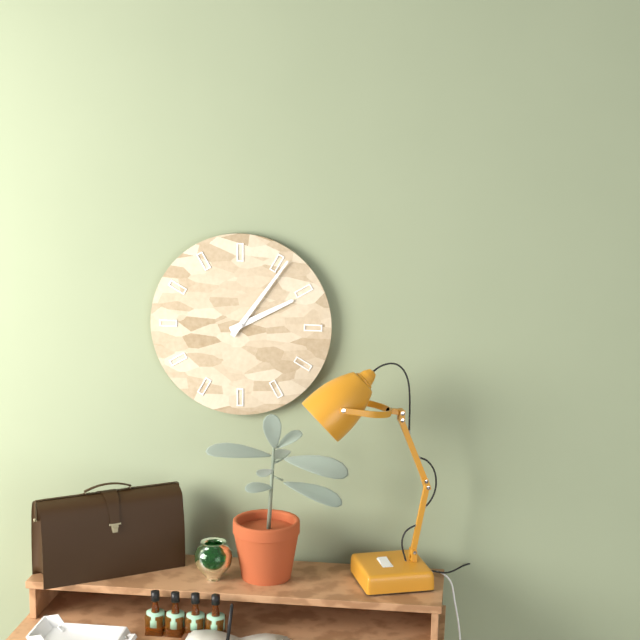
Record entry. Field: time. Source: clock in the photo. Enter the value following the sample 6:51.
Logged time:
2:06
